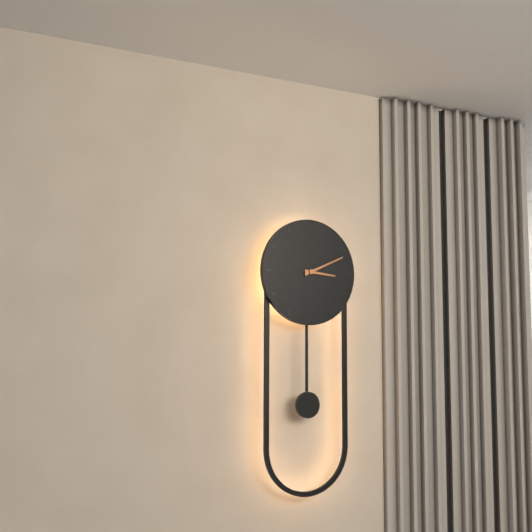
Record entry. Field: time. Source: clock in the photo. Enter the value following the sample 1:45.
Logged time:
3:11
